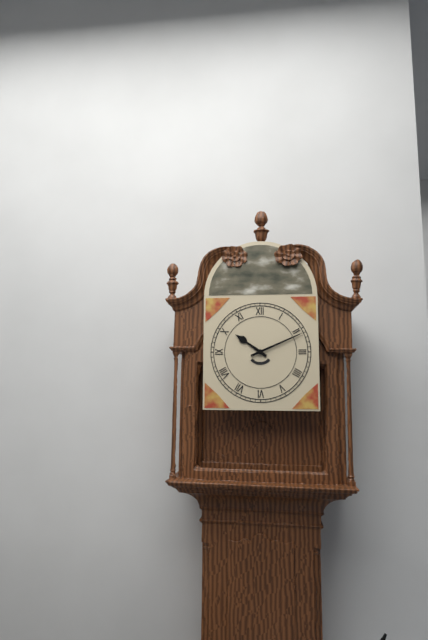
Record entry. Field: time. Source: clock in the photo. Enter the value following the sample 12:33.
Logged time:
10:11
